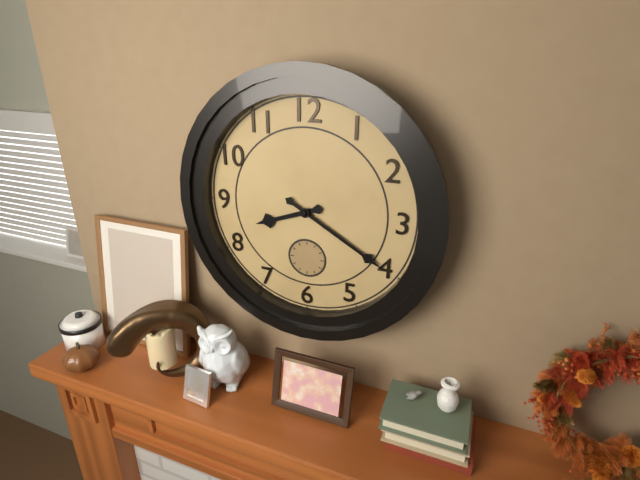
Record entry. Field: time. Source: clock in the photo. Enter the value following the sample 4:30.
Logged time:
8:20
